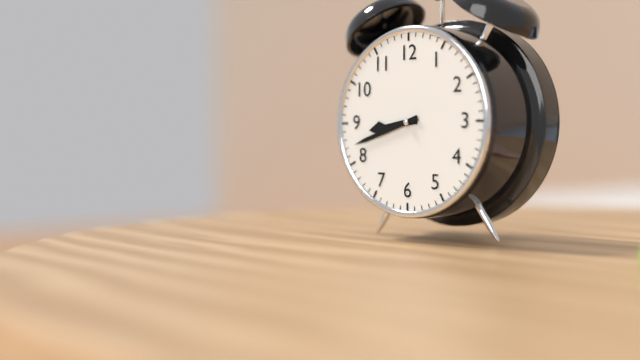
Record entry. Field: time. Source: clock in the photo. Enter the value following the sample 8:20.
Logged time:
8:42
